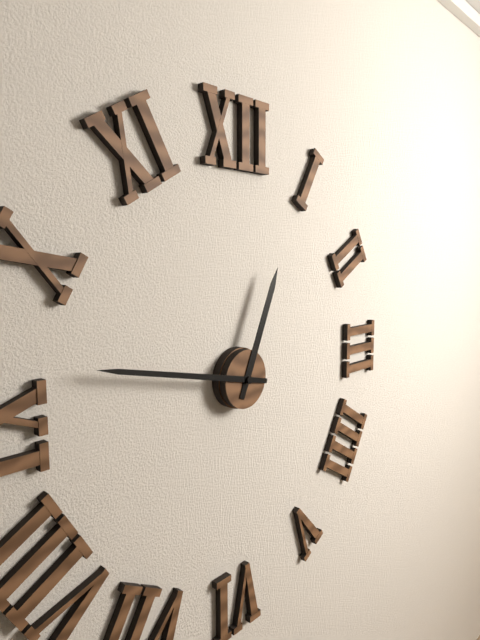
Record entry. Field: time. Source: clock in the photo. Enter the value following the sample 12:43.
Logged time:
12:47
